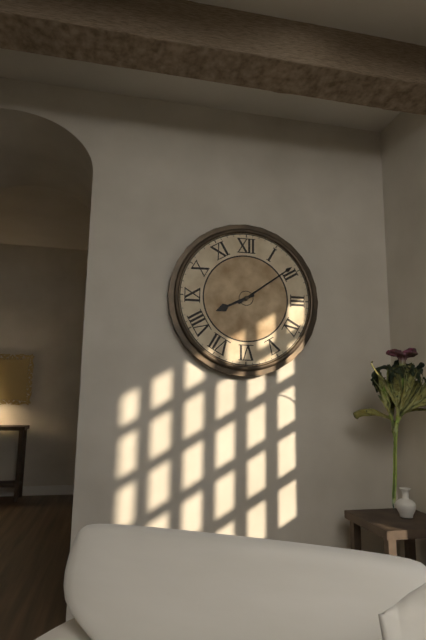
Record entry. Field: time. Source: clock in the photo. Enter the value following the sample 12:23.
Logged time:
8:09
